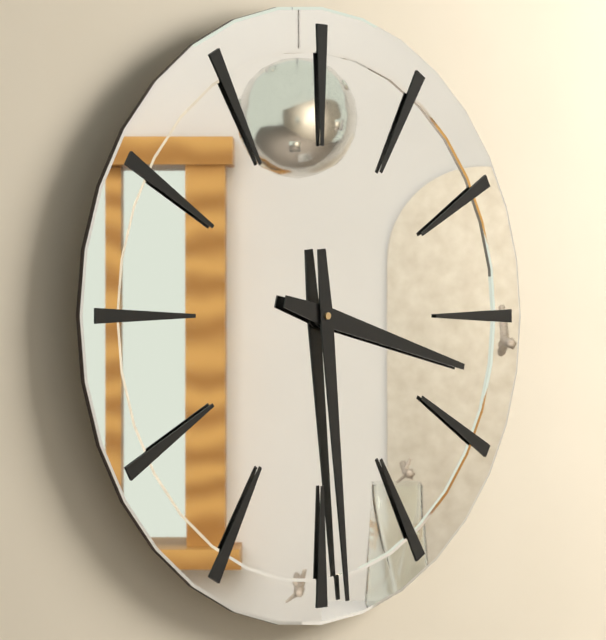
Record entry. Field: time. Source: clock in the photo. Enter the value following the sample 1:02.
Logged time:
3:29
